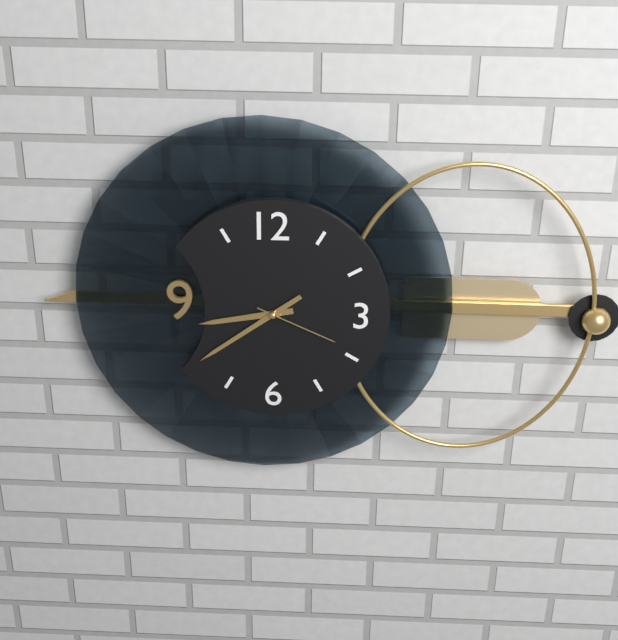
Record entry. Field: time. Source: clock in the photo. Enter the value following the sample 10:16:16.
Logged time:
8:39:19
